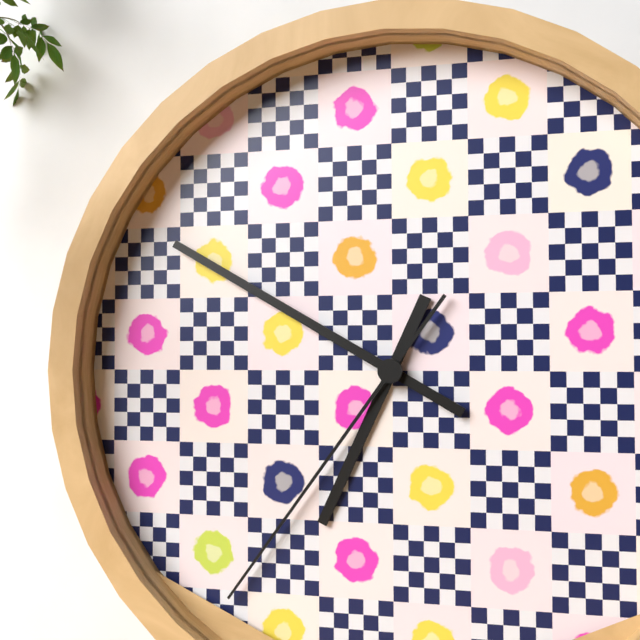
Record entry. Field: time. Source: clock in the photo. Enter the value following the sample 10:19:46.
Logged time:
6:50:36
